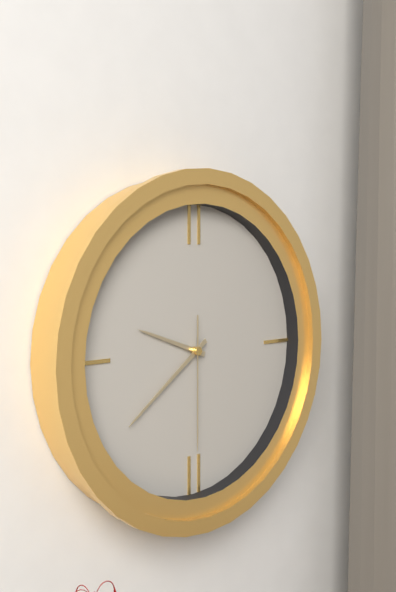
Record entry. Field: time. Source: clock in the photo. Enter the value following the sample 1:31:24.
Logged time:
9:39:30
